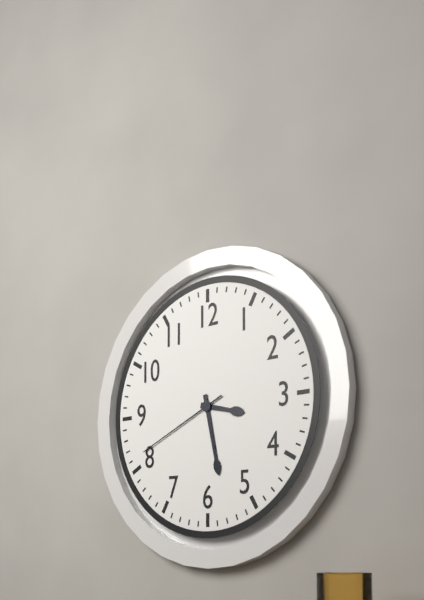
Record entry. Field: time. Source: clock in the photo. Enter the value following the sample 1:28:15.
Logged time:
3:28:41
